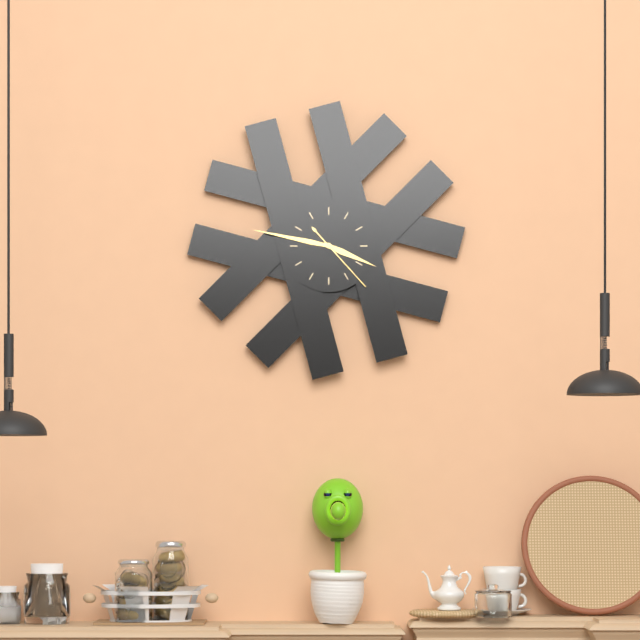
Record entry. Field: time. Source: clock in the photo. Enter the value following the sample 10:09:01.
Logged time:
3:47:23
